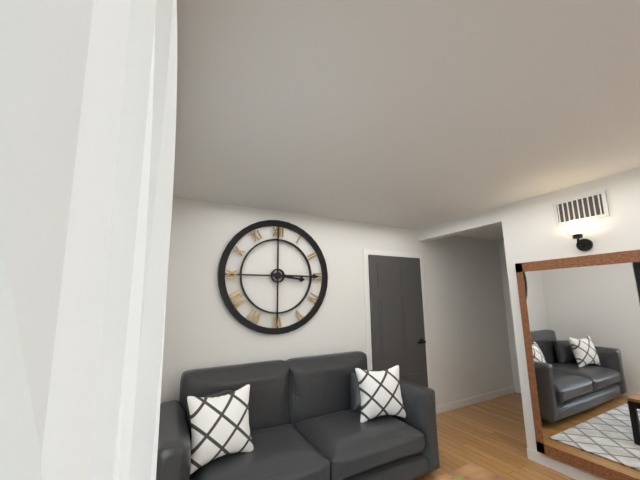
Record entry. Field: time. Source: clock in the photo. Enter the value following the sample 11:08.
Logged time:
3:15
